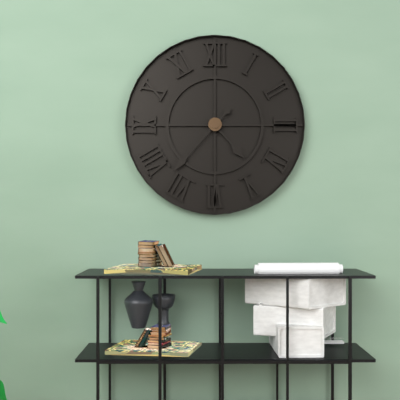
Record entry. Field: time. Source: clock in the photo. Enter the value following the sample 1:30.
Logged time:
4:37
